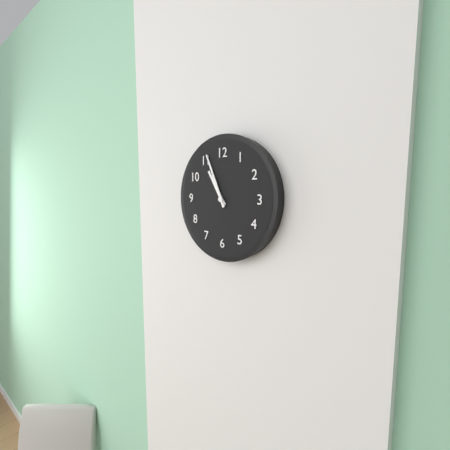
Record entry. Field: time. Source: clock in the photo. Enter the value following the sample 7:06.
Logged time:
10:56
